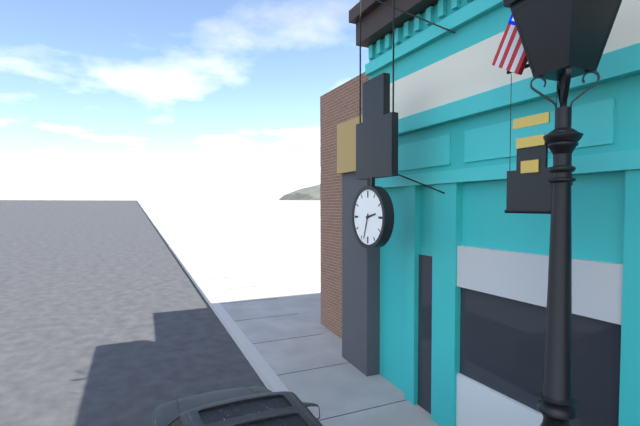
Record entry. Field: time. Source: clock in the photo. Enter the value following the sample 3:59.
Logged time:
2:33
